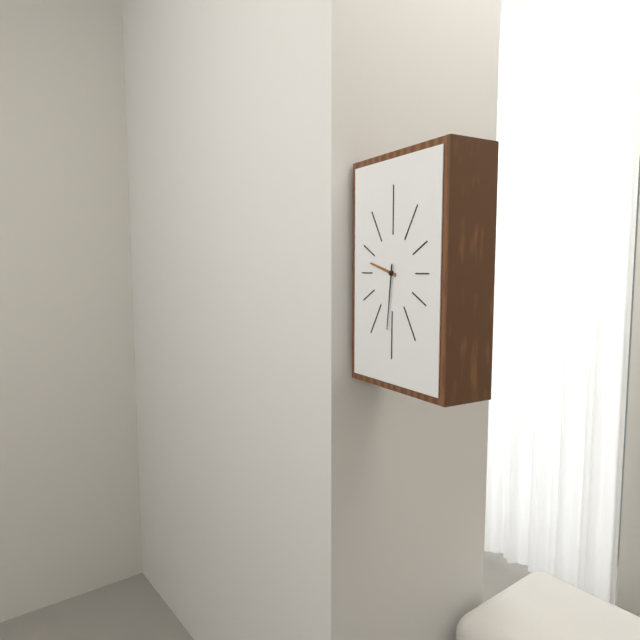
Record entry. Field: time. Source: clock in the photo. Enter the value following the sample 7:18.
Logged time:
9:31
